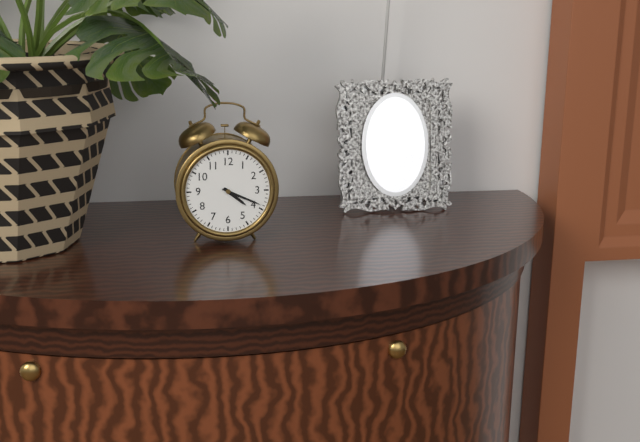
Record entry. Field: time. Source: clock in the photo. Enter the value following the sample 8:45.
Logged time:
4:19
